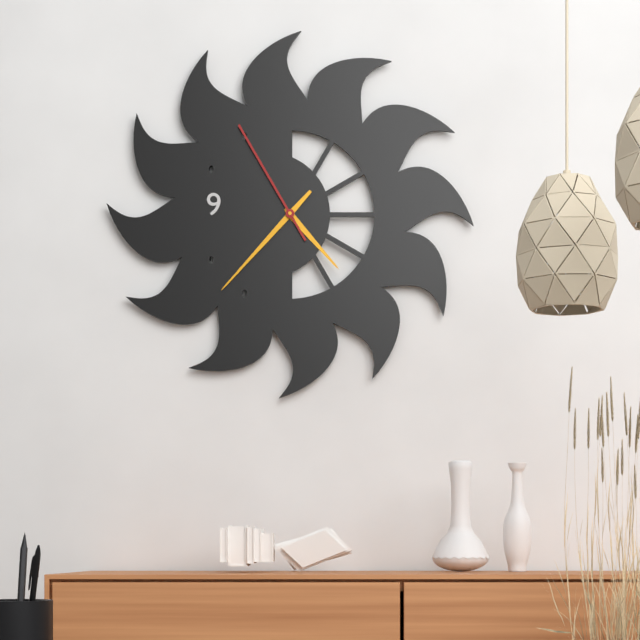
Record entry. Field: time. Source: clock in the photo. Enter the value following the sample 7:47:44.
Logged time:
4:37:55
